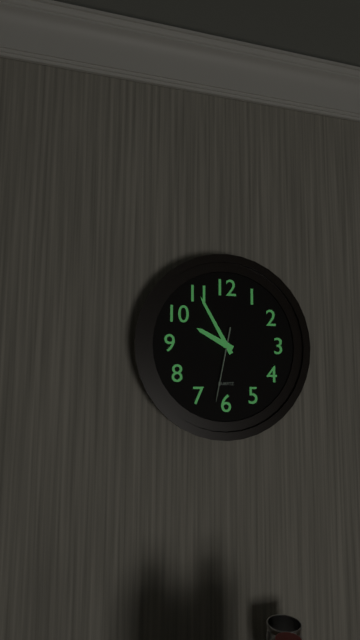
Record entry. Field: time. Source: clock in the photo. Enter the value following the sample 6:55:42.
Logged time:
9:55:32
